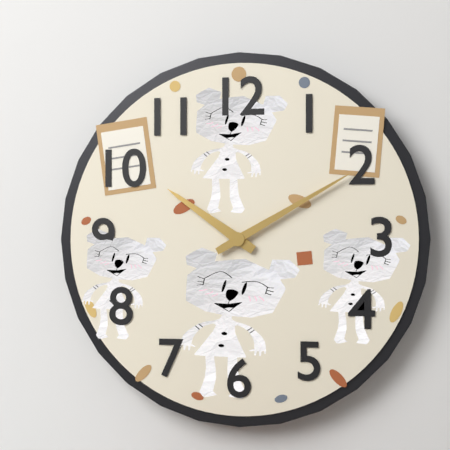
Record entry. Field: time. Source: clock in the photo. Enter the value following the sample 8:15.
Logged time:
10:10
